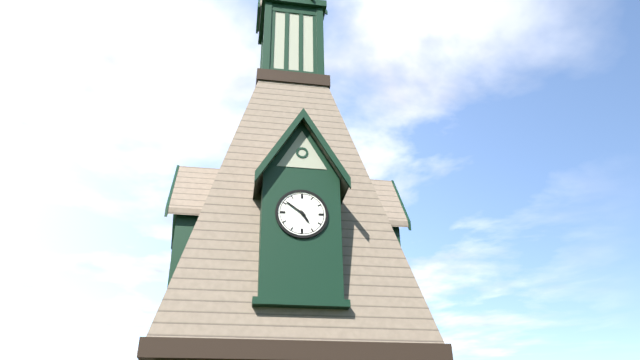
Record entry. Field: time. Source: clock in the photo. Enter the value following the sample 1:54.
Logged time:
4:51
